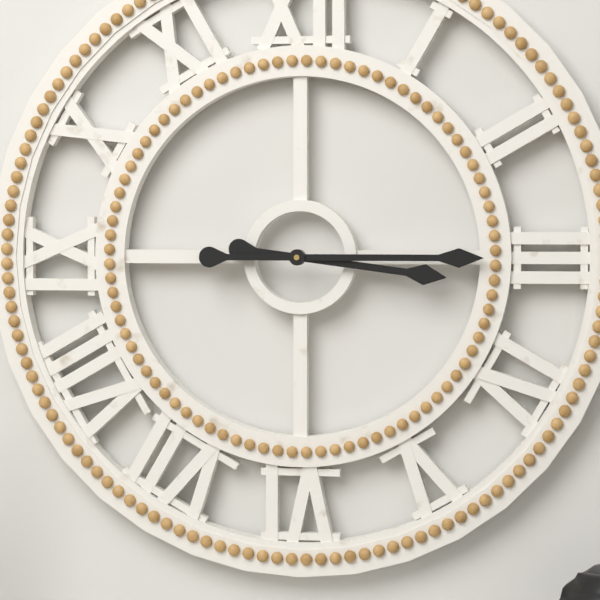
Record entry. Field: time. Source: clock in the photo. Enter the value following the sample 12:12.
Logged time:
3:15
